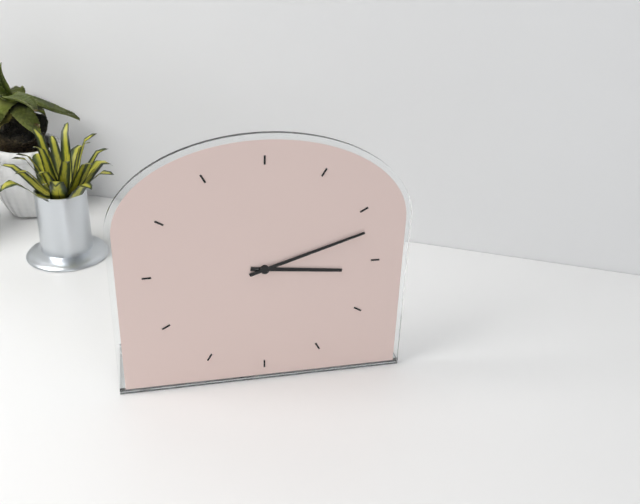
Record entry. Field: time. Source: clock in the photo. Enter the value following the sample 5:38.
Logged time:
3:12
